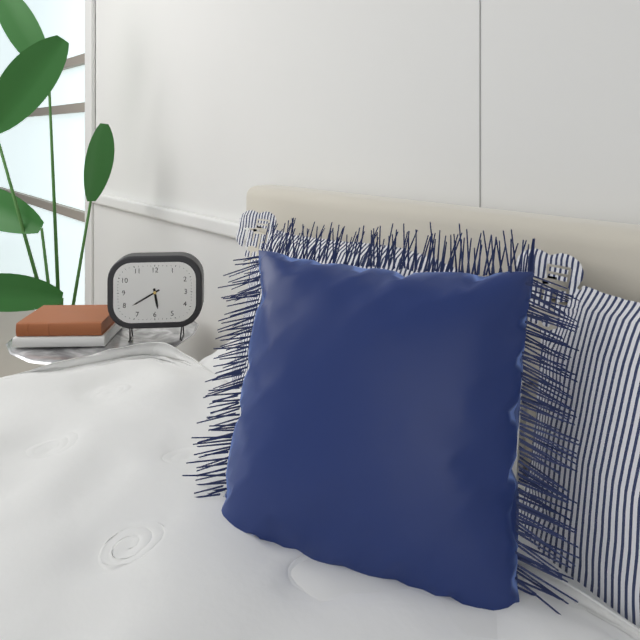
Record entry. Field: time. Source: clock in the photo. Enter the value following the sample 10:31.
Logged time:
5:40
